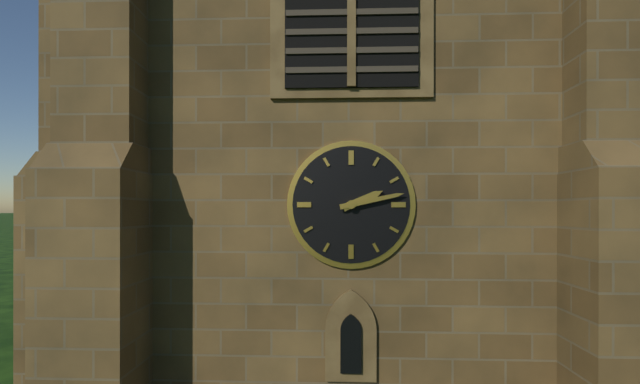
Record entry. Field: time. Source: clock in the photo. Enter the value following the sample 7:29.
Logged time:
2:13
